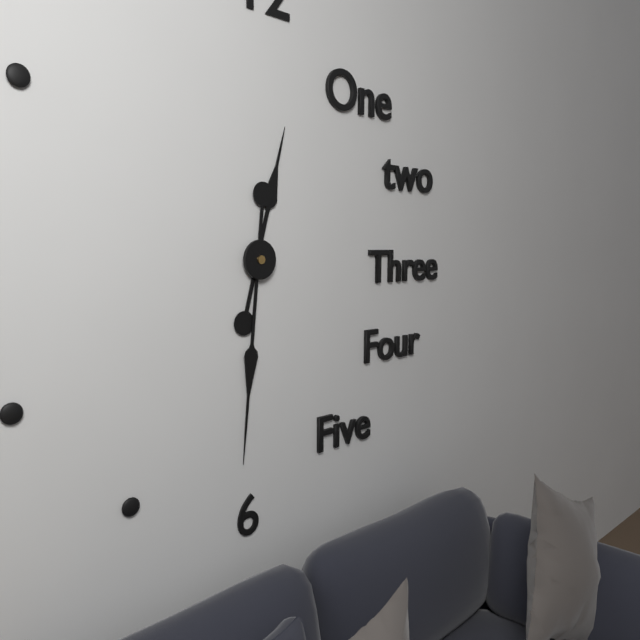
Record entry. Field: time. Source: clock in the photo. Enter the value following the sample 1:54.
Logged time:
12:31
